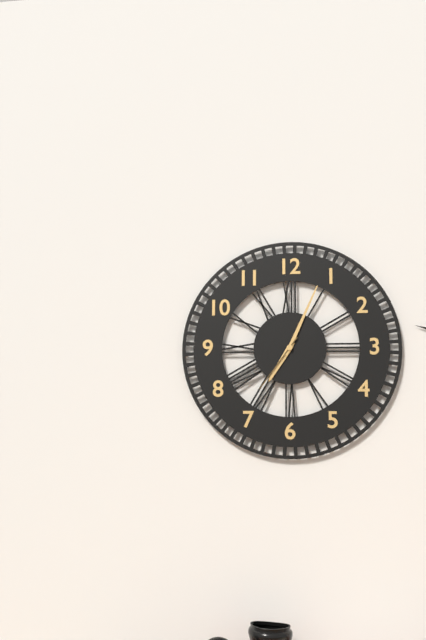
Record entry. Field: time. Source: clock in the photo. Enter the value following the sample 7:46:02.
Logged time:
7:04:36
